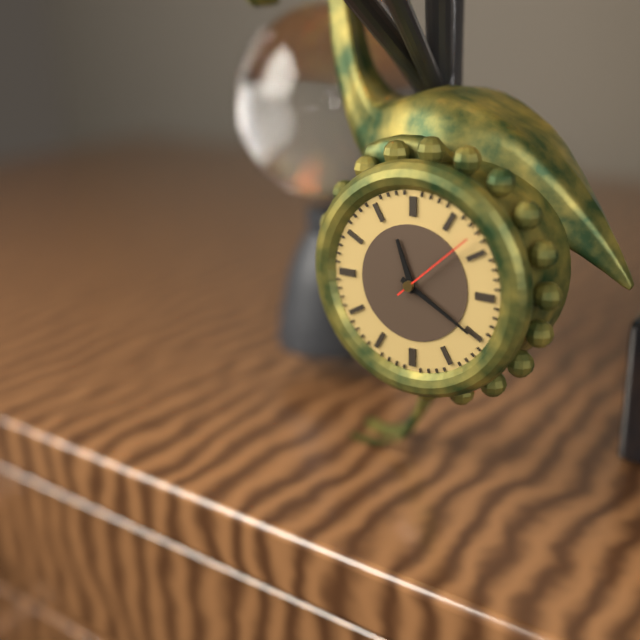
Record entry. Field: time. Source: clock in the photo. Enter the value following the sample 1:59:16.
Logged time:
11:20:08
